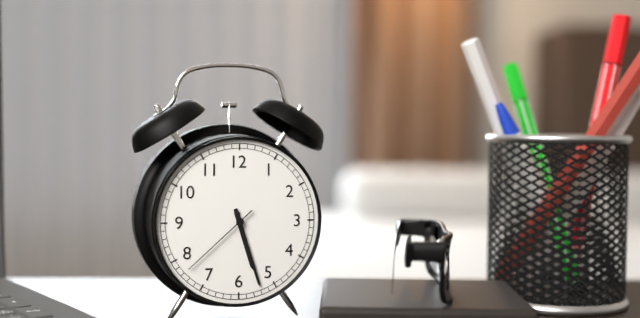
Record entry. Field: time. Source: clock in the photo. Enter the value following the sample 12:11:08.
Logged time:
5:27:38
